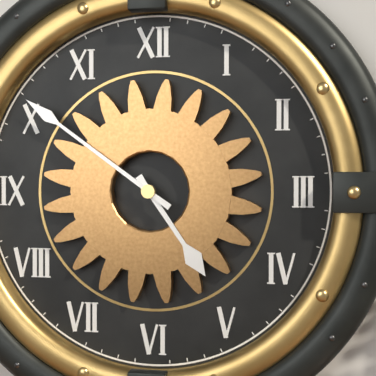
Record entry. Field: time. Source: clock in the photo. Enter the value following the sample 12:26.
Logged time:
4:51
